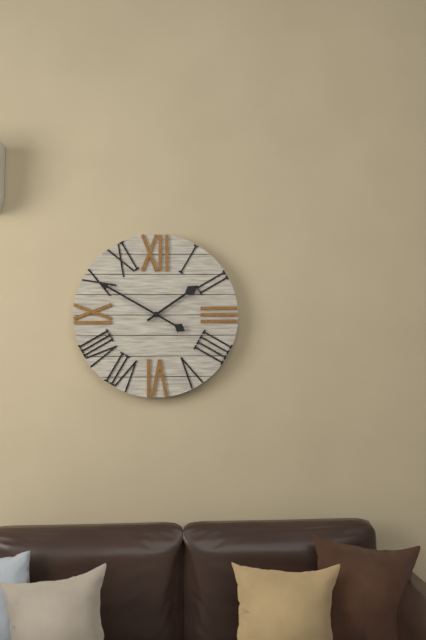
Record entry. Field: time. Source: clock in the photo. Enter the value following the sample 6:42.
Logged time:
1:50
